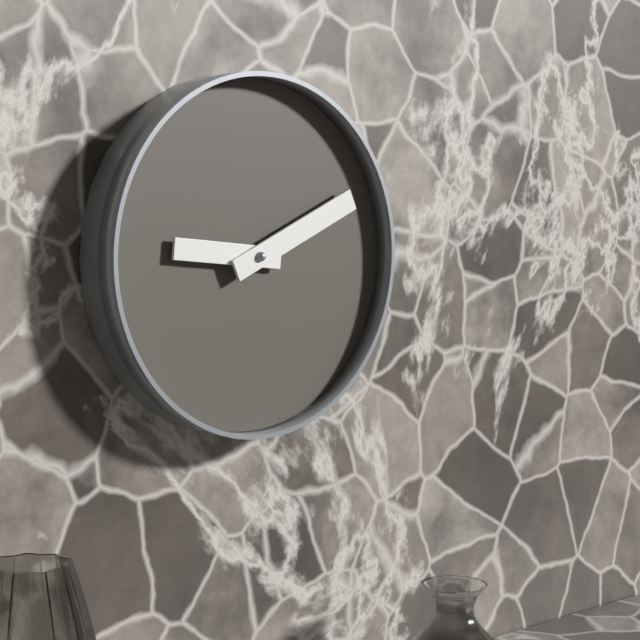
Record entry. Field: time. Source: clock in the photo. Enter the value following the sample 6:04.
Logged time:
9:11
